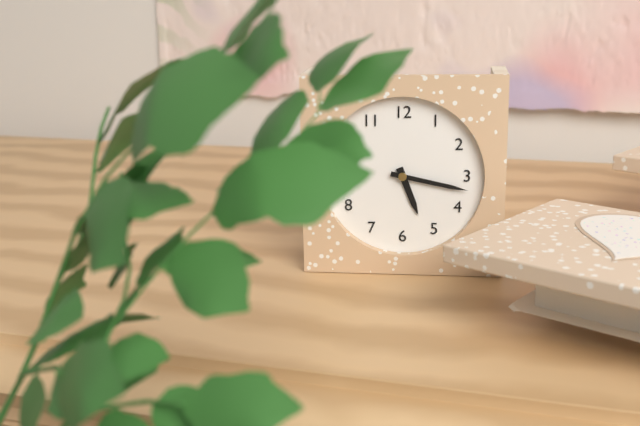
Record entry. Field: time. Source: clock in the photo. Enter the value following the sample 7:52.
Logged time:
5:17
